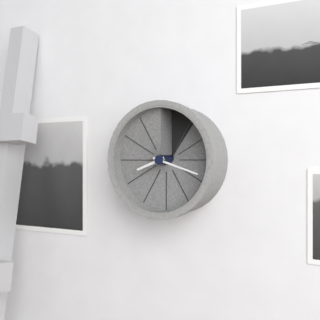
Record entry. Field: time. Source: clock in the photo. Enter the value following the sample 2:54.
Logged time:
8:18
